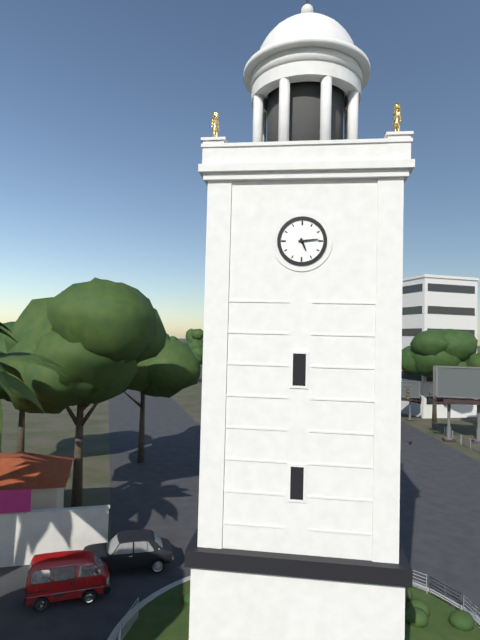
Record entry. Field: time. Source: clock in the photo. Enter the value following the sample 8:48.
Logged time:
5:14
